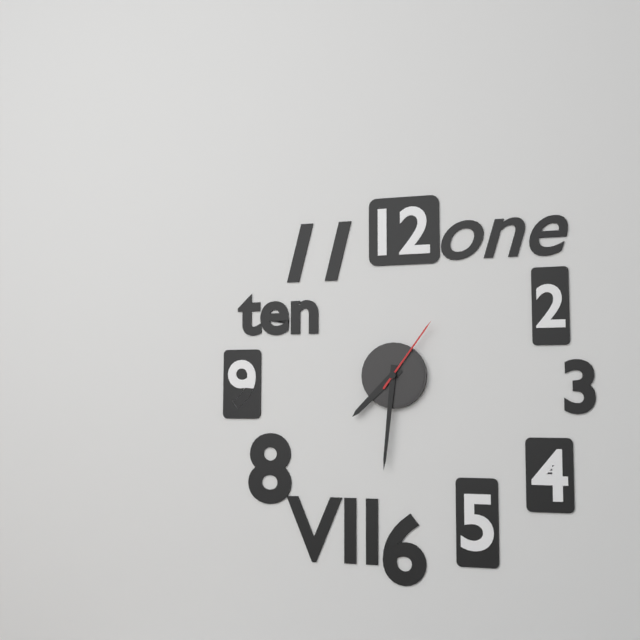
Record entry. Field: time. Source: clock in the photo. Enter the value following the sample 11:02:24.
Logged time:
7:31:06
